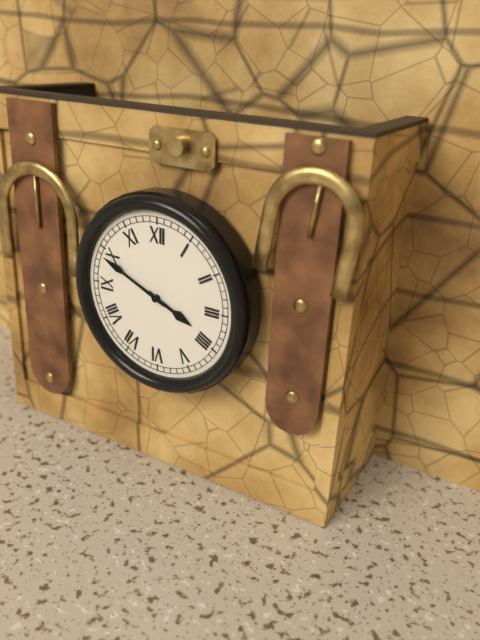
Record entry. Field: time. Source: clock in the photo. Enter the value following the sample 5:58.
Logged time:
3:49
